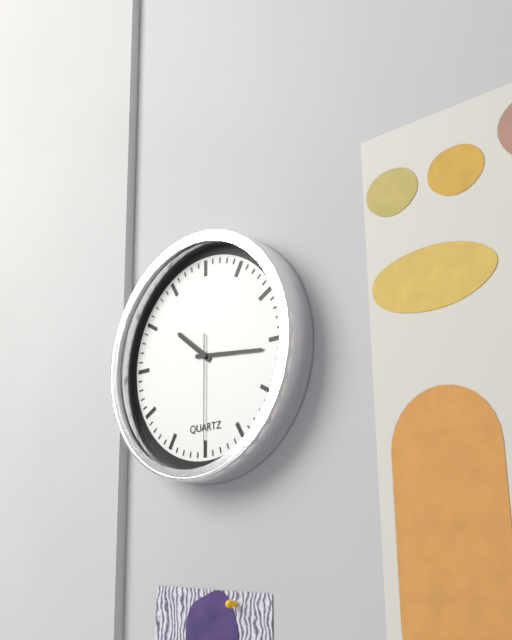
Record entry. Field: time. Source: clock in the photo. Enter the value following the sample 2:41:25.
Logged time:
10:16:30
